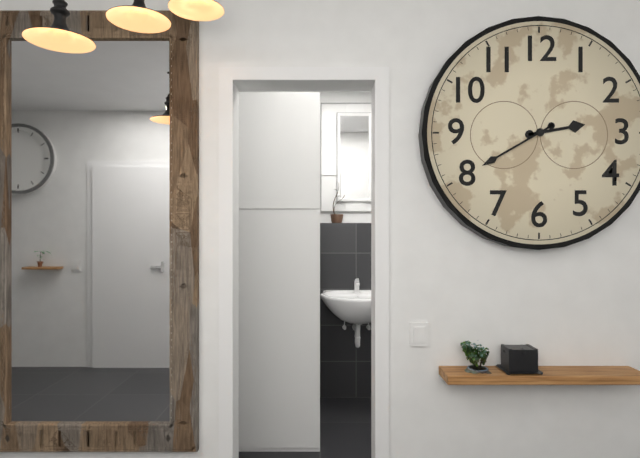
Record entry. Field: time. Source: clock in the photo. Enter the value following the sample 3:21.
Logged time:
2:40
